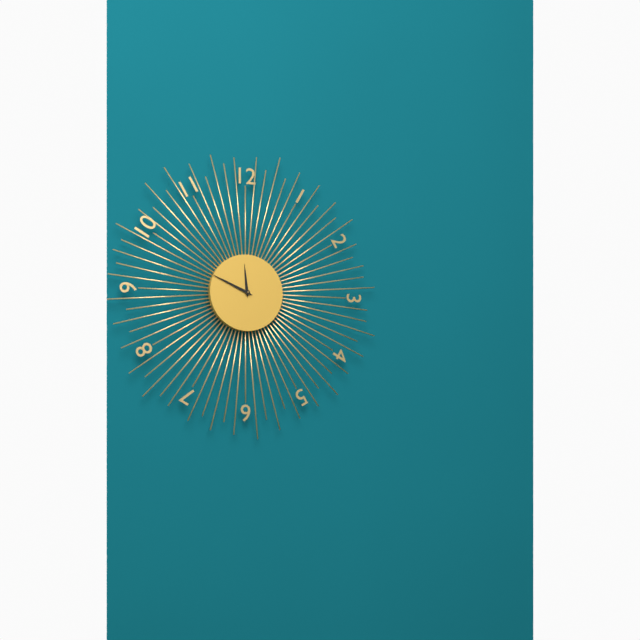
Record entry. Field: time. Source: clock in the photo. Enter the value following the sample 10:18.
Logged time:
11:49
